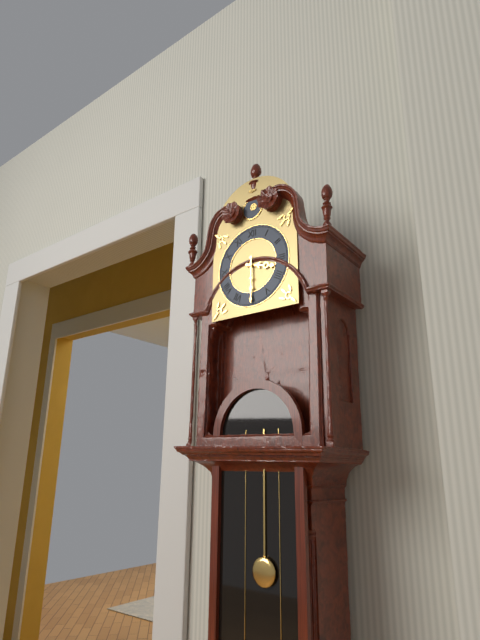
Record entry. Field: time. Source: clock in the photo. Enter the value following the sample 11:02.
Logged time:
3:30
